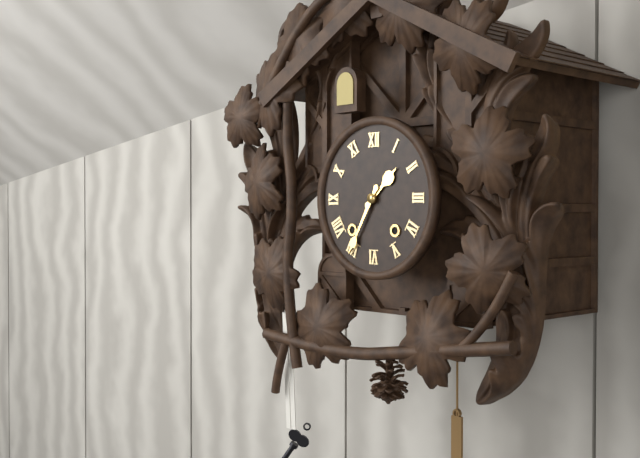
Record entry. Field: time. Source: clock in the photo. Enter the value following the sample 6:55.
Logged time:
1:35
